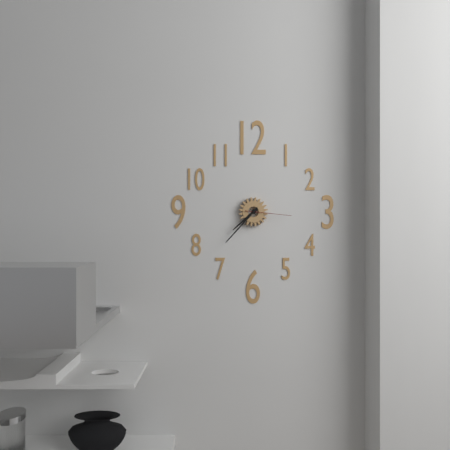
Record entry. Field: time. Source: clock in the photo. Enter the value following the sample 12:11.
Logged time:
7:37
